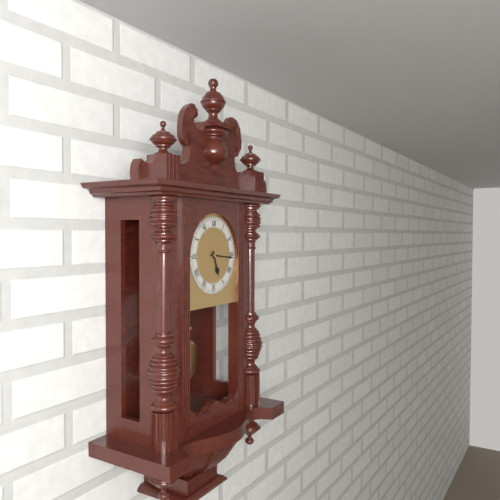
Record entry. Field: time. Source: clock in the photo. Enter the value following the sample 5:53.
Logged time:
5:16
